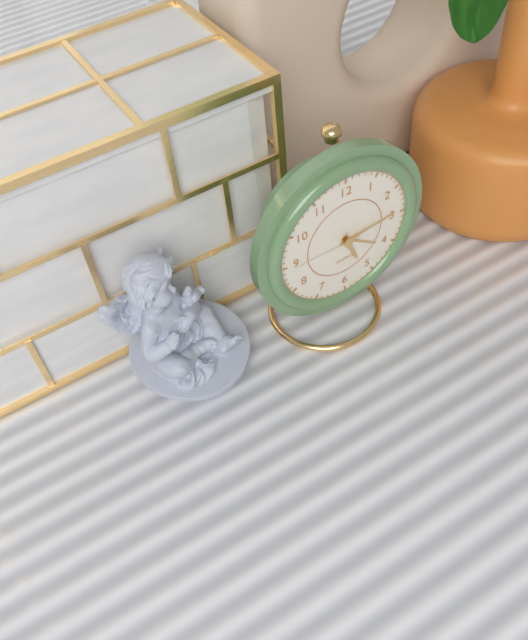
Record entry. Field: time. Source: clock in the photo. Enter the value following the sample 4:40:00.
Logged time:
5:14:45
